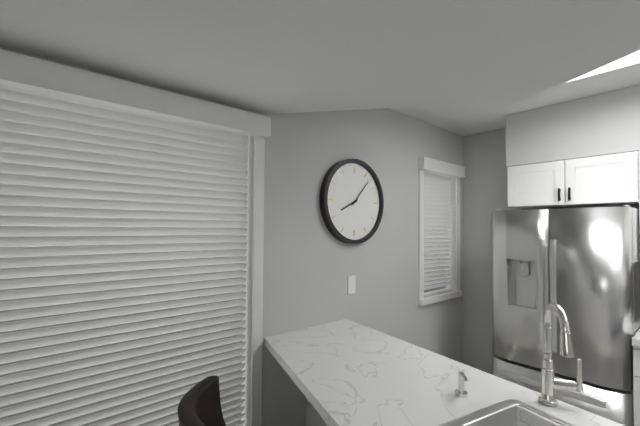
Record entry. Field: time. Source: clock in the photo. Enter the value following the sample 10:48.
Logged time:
8:07
